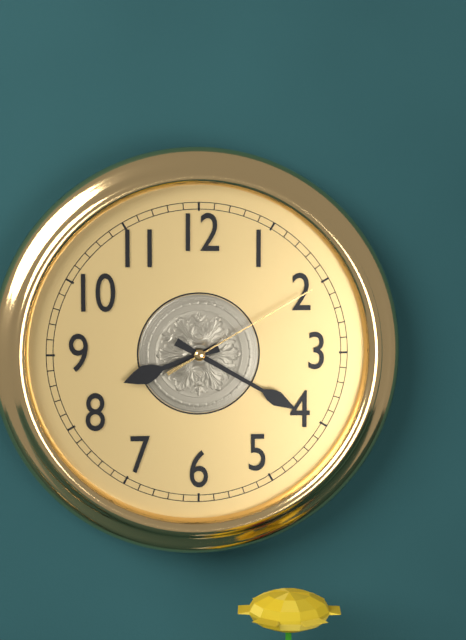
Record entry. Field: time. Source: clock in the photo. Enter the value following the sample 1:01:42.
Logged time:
8:20:10
